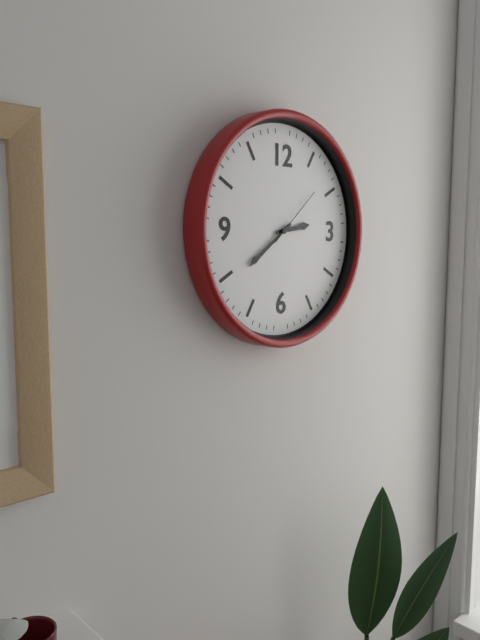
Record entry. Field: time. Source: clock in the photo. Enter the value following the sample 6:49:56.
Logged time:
2:39:08
